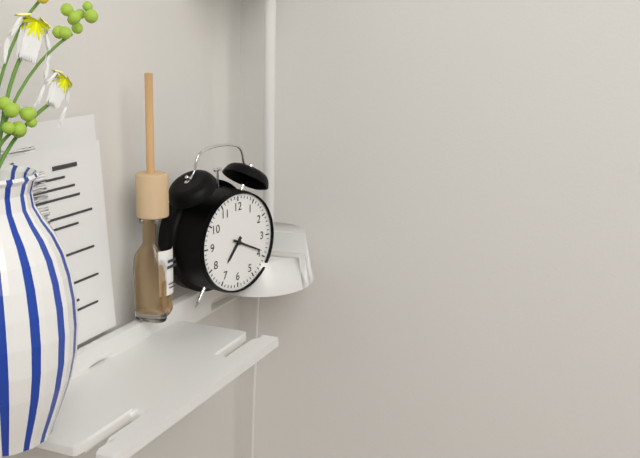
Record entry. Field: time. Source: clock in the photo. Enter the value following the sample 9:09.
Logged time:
7:19
